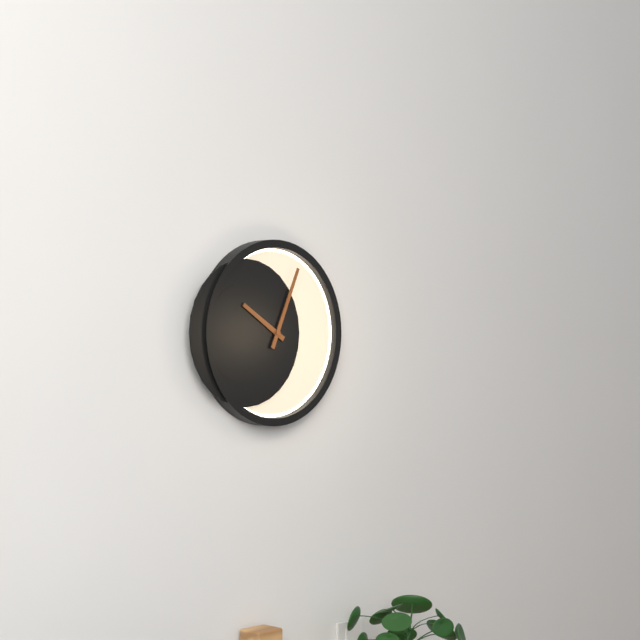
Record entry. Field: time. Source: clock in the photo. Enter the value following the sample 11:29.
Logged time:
10:04
